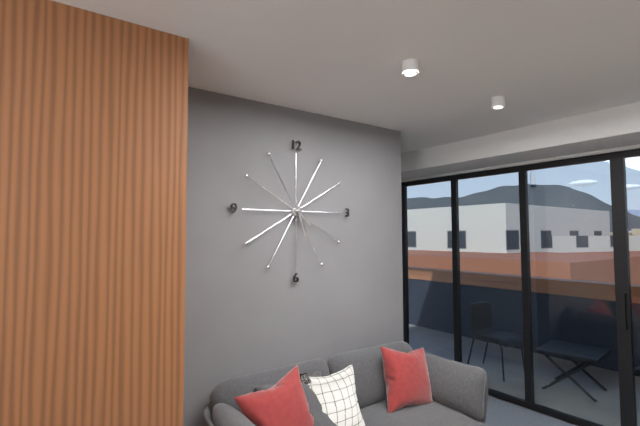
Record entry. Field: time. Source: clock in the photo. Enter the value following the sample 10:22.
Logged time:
4:27
